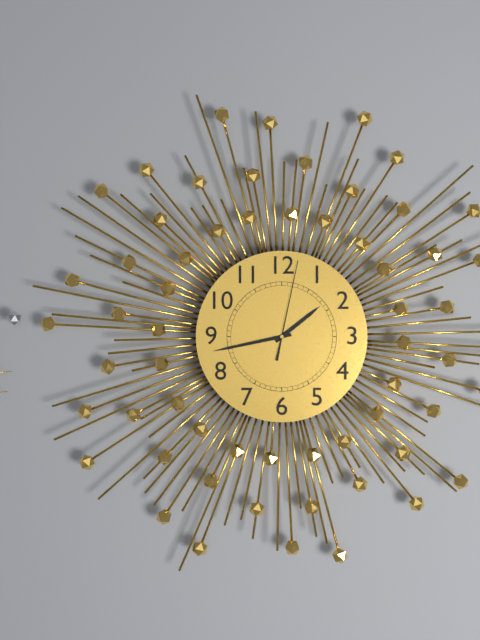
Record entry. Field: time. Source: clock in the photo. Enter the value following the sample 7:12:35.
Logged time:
1:43:02
